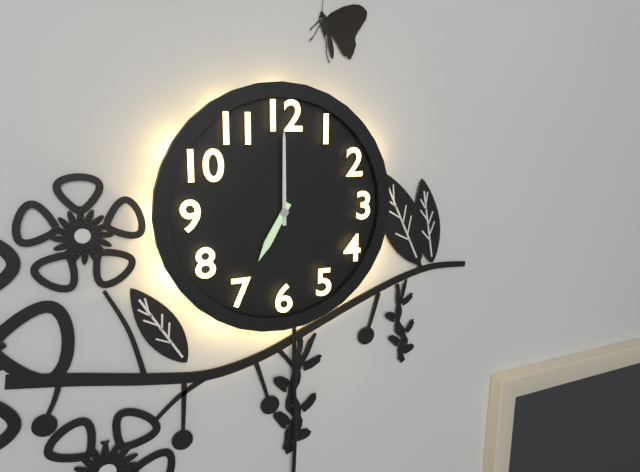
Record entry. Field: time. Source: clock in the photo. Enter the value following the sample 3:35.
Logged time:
7:00
